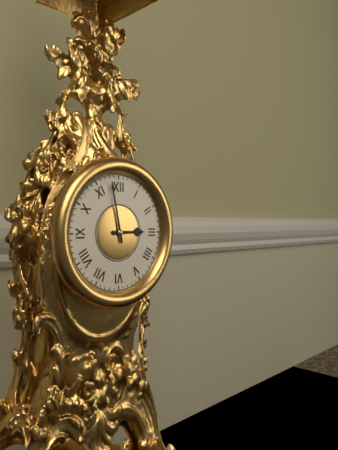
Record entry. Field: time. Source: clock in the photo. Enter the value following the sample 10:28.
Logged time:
2:58
